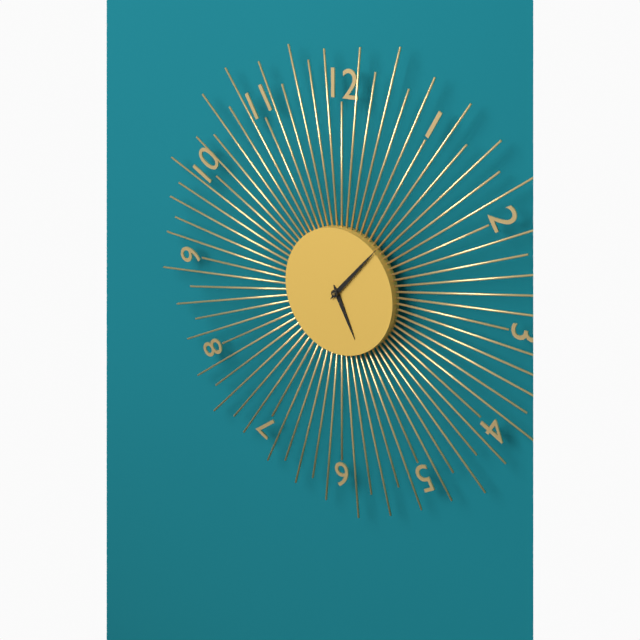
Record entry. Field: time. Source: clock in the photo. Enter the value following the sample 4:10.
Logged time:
5:07
